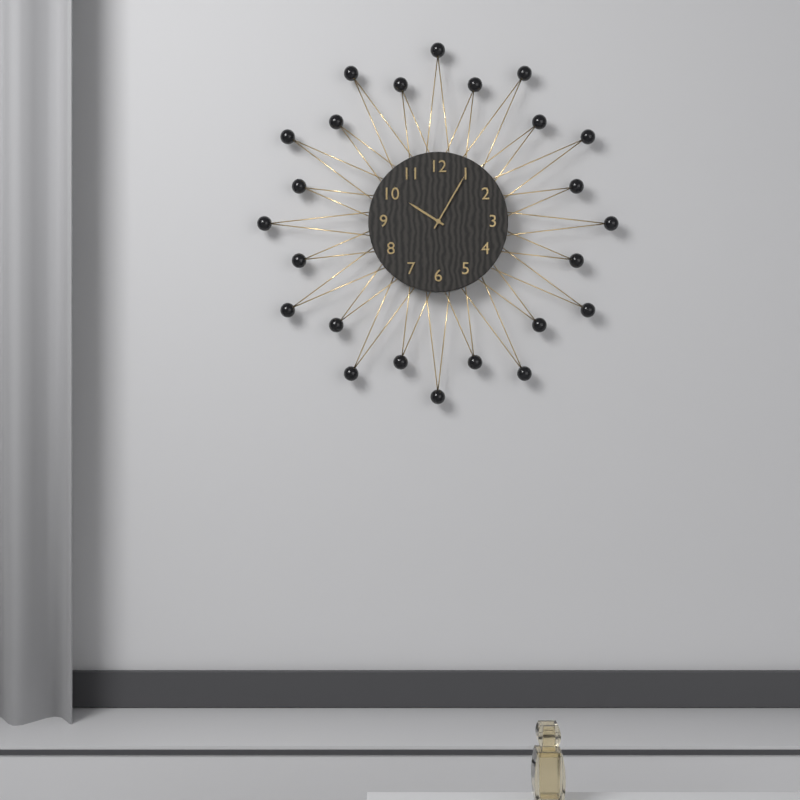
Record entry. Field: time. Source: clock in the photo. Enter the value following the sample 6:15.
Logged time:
10:05
